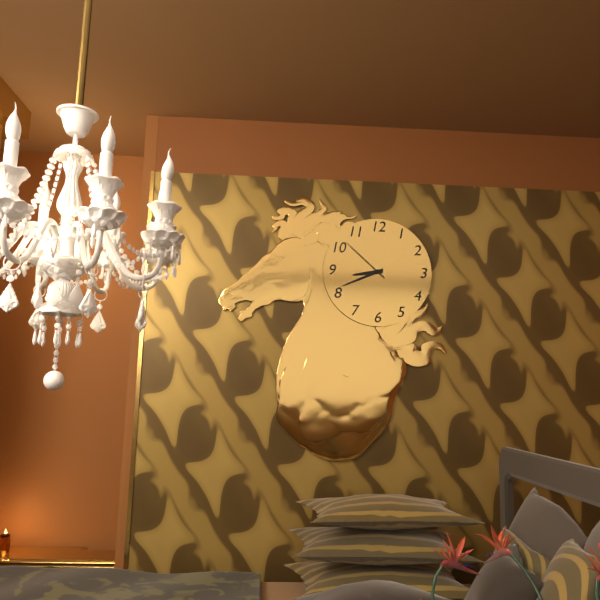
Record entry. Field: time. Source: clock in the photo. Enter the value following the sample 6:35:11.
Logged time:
8:41:52
